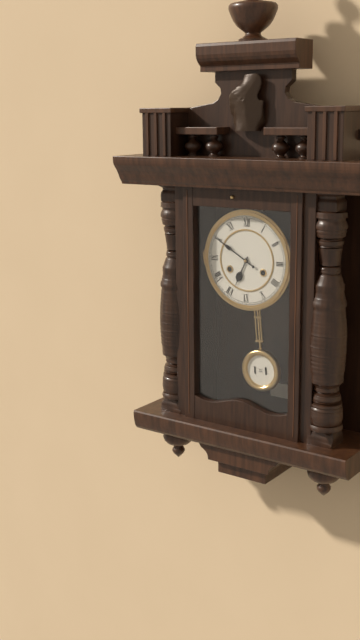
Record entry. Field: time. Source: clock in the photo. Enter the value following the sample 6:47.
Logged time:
6:50
